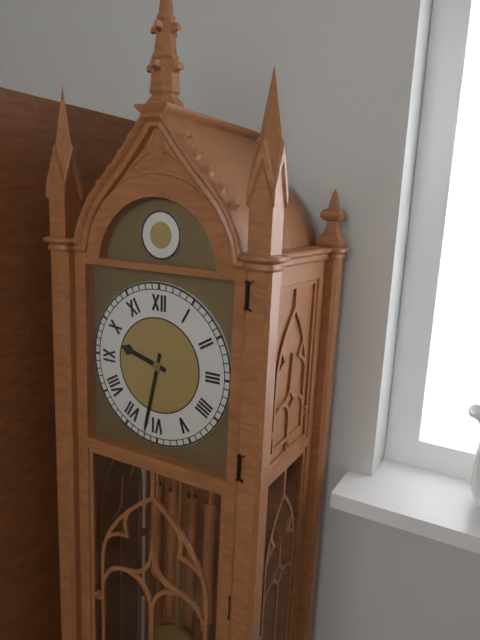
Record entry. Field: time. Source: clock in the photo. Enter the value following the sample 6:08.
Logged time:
9:32
